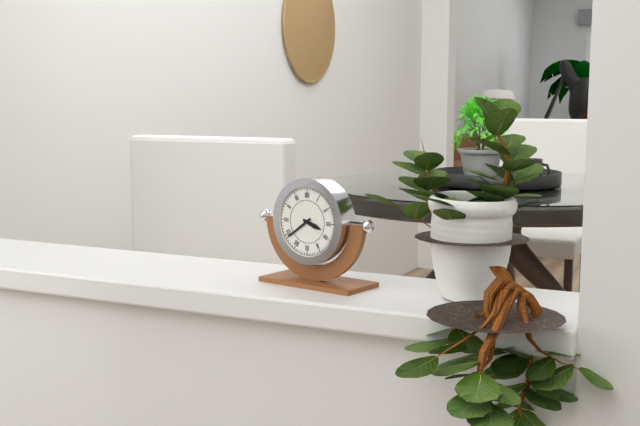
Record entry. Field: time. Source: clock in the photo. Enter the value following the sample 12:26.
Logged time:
3:39
